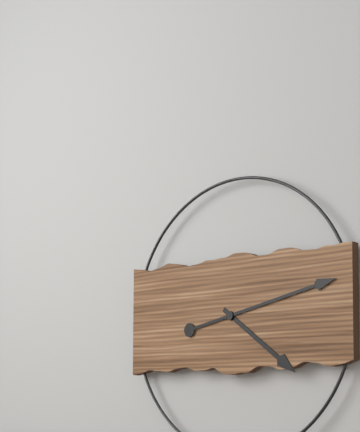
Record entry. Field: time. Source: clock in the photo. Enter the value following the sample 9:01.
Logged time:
4:13
